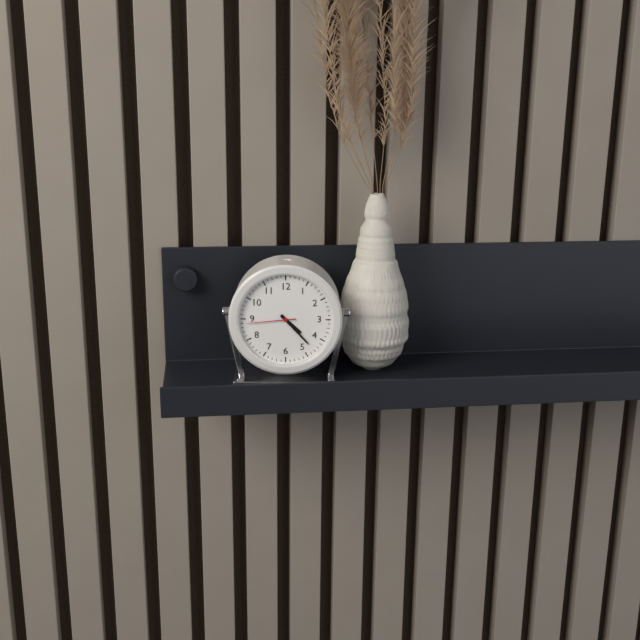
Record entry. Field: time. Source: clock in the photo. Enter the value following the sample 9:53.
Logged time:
4:23
